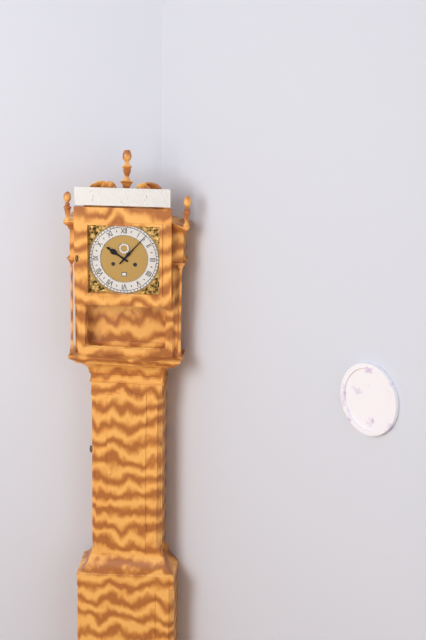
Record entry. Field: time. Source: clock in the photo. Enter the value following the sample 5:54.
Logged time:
10:07
